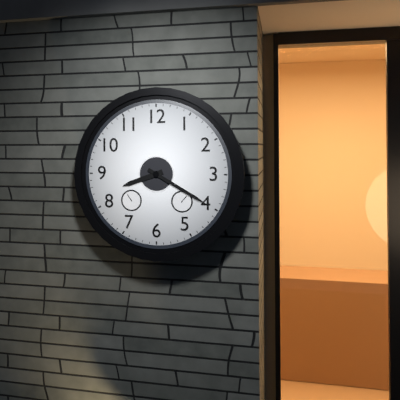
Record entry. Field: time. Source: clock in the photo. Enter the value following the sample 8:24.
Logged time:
8:20
